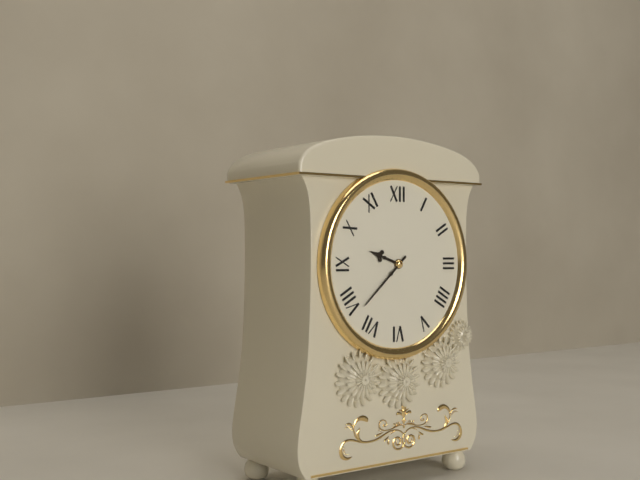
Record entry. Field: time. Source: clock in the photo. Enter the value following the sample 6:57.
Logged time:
9:38
